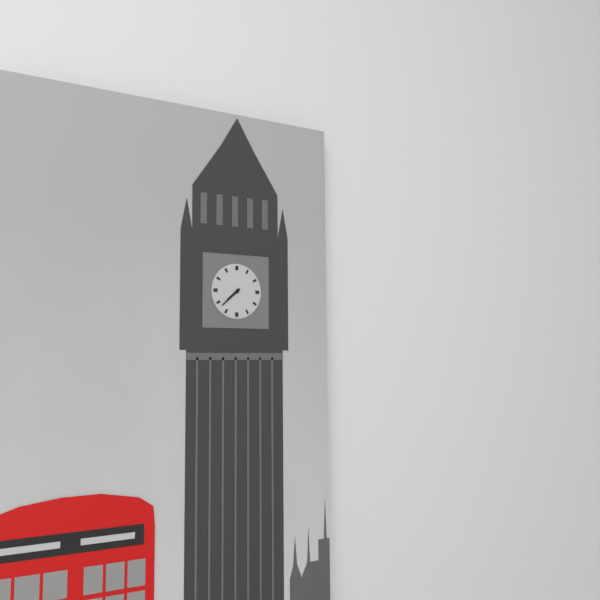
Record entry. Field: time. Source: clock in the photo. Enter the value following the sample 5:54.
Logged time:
7:38
